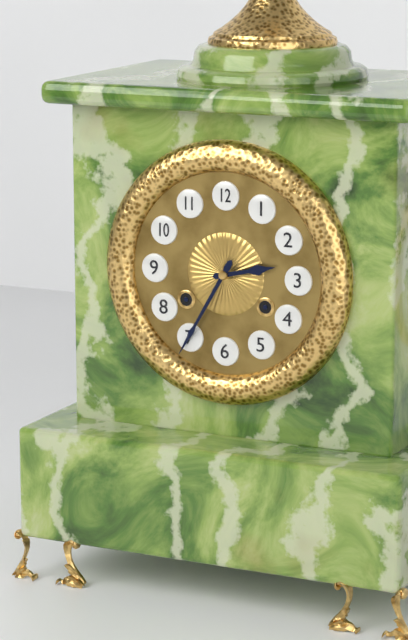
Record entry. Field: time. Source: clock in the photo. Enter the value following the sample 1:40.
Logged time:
2:35
